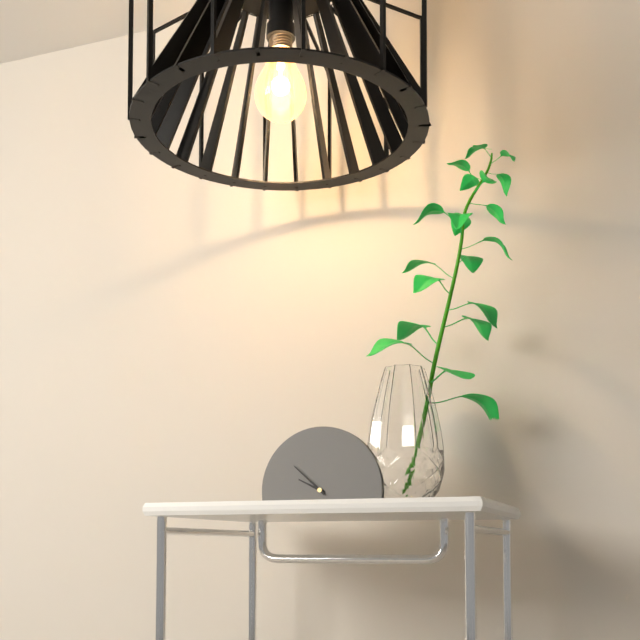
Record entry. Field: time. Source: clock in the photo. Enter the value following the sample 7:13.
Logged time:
9:52
